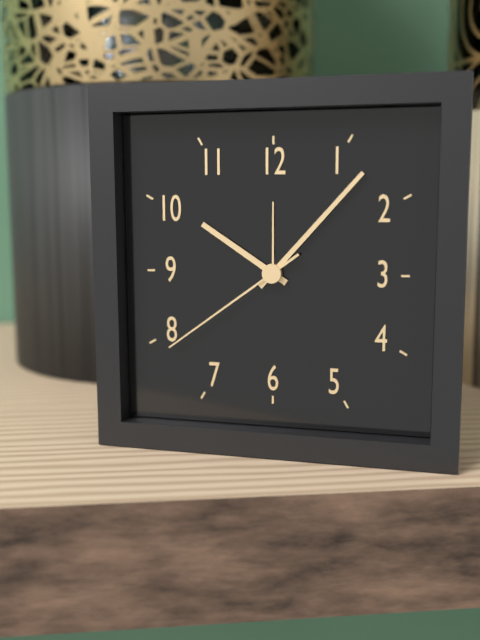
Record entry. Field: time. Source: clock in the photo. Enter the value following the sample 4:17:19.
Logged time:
10:07:39
